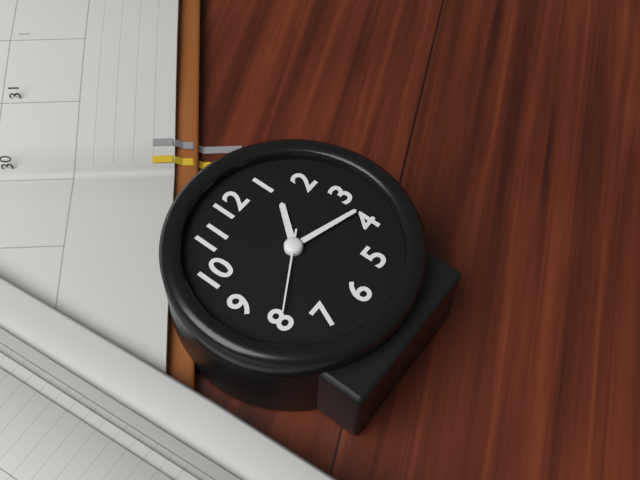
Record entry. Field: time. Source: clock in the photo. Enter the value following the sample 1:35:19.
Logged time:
1:18:40
